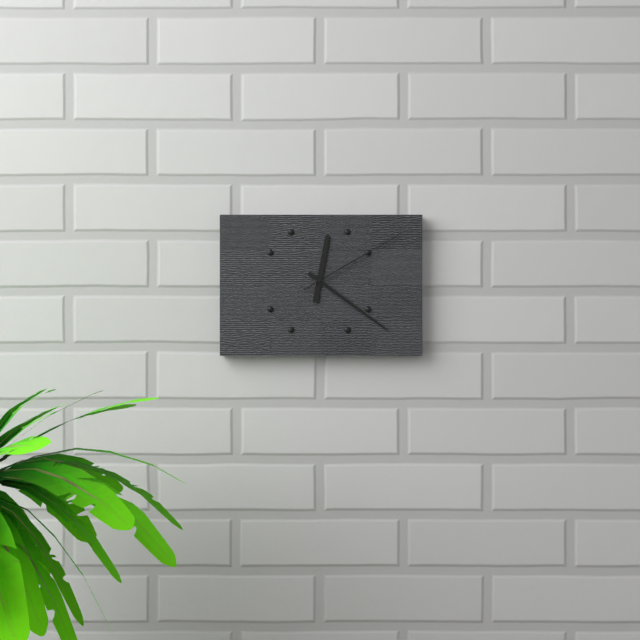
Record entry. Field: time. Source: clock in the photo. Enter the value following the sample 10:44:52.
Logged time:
12:21:10
